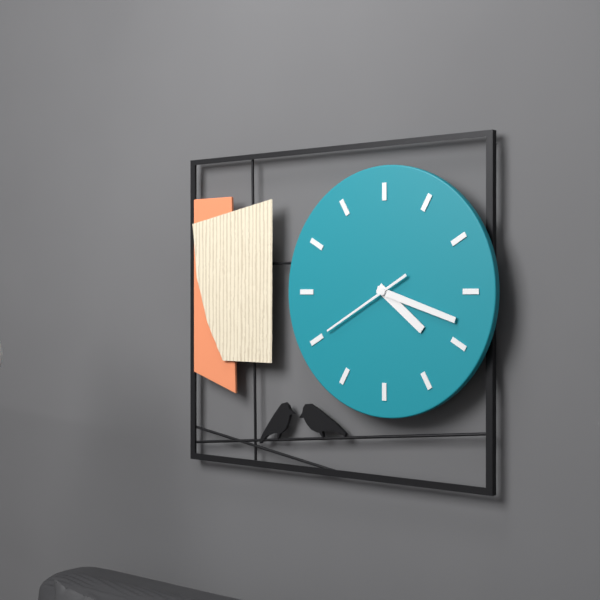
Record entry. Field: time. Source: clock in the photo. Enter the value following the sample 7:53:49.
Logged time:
4:18:40
